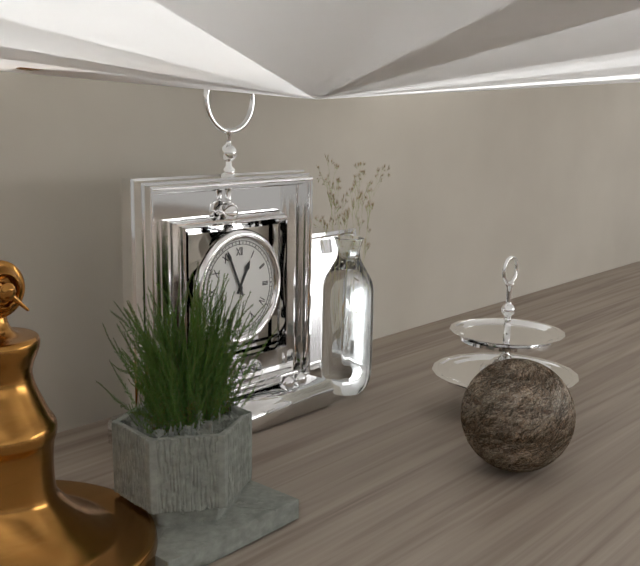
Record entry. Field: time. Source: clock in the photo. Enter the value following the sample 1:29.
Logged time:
12:56
